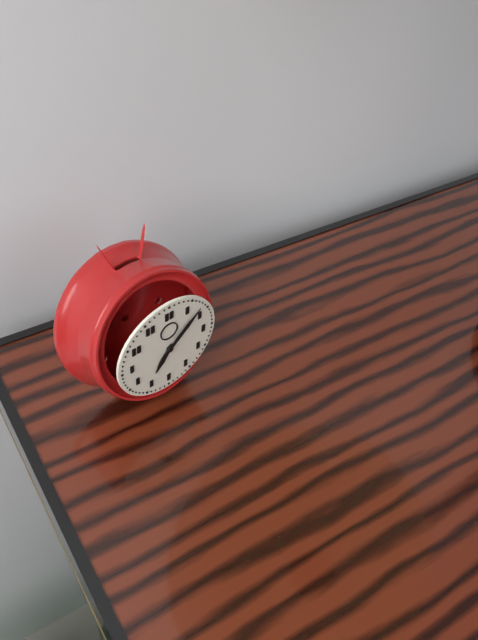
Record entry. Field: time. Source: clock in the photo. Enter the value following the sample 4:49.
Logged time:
7:08
